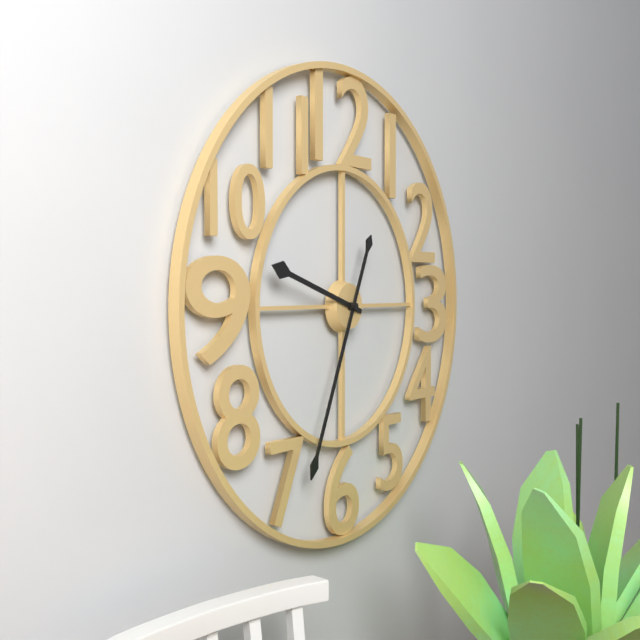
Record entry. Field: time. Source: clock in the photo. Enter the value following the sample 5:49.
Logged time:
9:34
